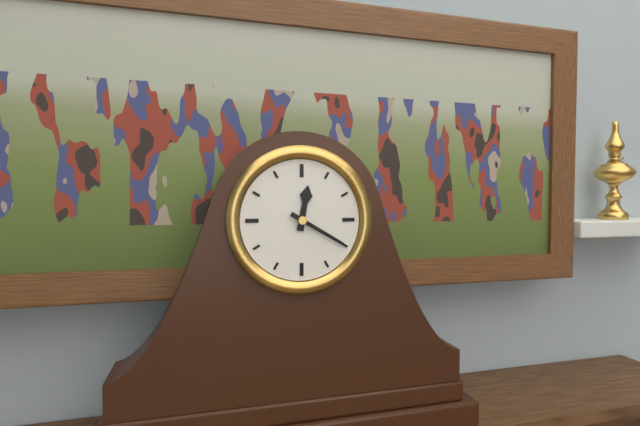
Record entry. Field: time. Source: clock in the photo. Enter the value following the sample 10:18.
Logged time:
12:20
